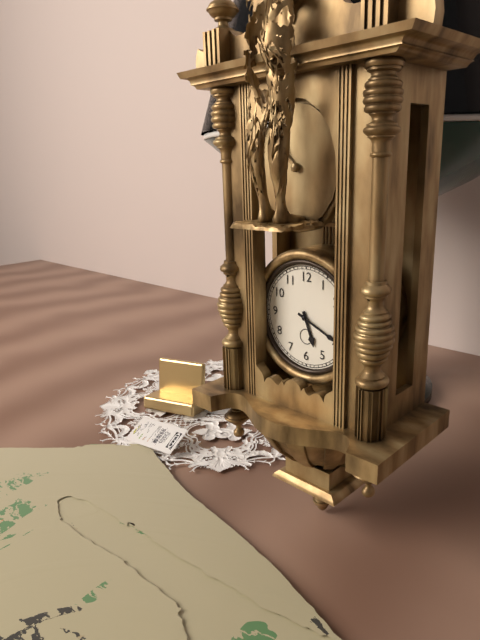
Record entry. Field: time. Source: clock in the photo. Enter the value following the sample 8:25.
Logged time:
5:19
